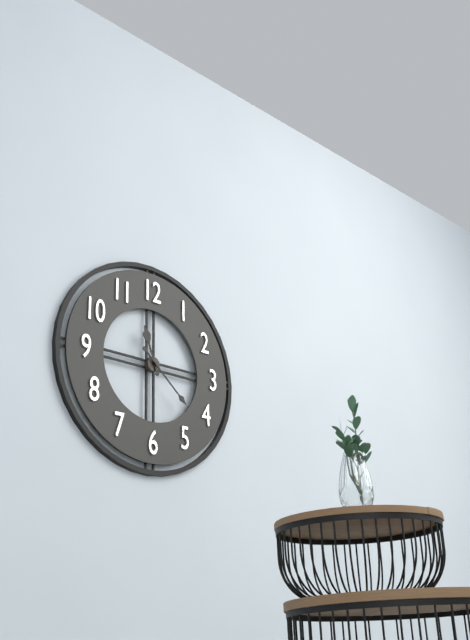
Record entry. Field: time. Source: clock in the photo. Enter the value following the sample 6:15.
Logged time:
11:22
